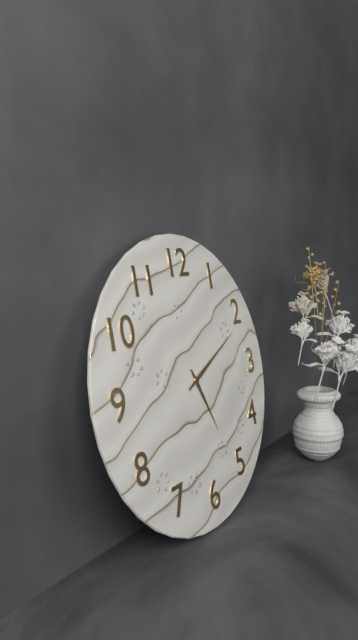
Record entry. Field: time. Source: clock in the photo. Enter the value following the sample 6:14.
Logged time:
5:11
